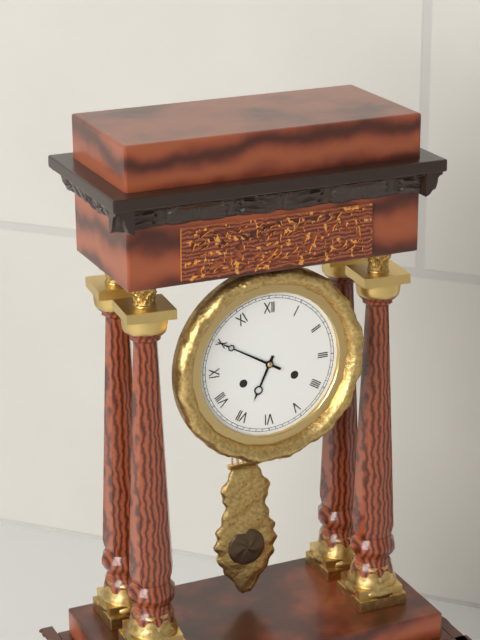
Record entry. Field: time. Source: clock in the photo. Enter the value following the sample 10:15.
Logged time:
6:50
